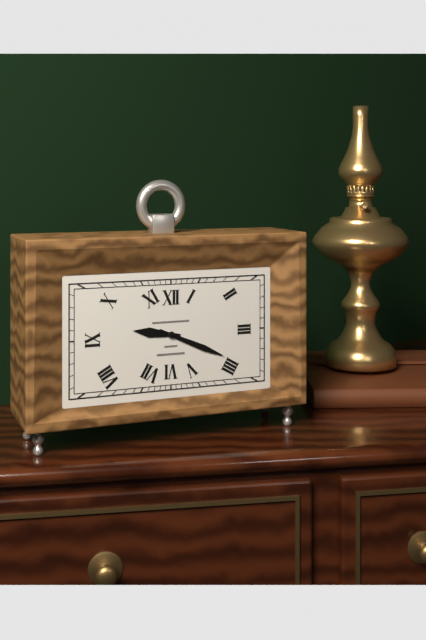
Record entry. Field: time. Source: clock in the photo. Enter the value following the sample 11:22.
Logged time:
9:19
